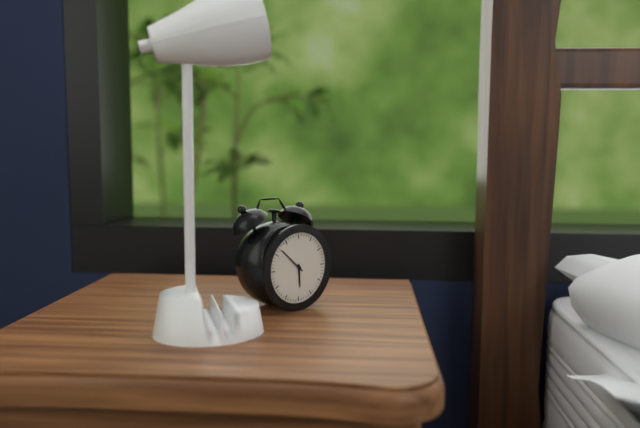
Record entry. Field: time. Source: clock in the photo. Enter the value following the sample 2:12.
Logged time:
5:52
